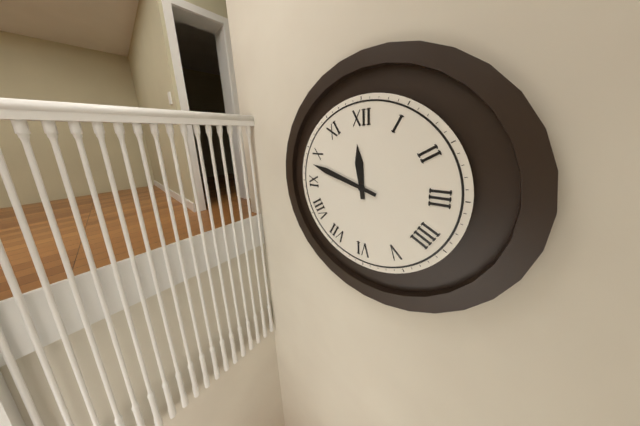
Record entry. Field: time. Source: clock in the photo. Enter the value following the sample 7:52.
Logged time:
11:48
